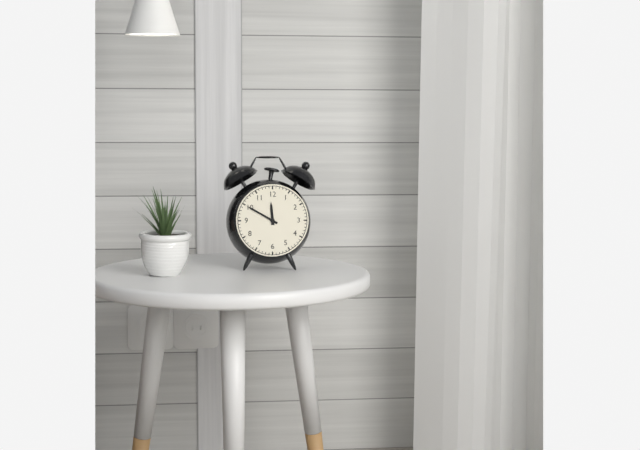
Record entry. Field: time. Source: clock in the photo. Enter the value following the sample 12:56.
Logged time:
11:50
